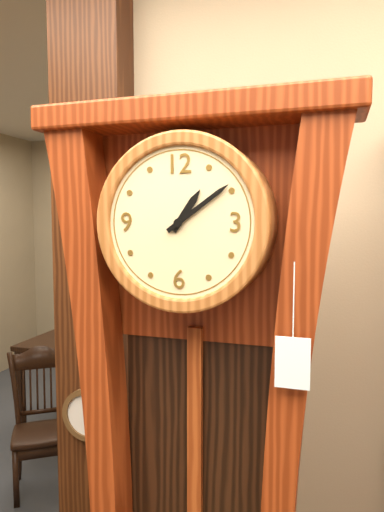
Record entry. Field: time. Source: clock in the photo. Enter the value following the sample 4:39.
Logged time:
1:09
